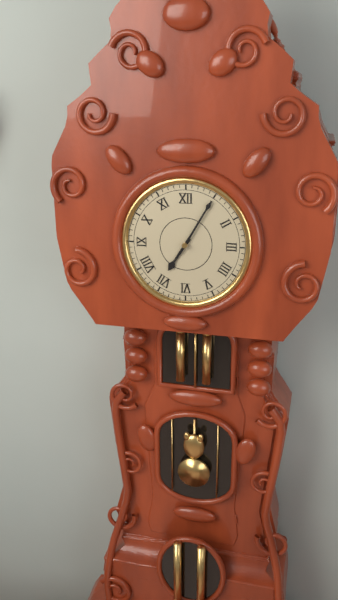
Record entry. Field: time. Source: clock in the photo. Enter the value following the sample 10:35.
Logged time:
7:05
